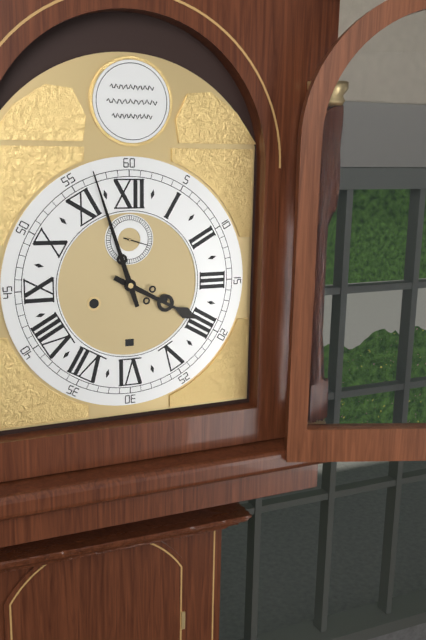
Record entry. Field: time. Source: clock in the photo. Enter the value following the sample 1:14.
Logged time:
3:57
